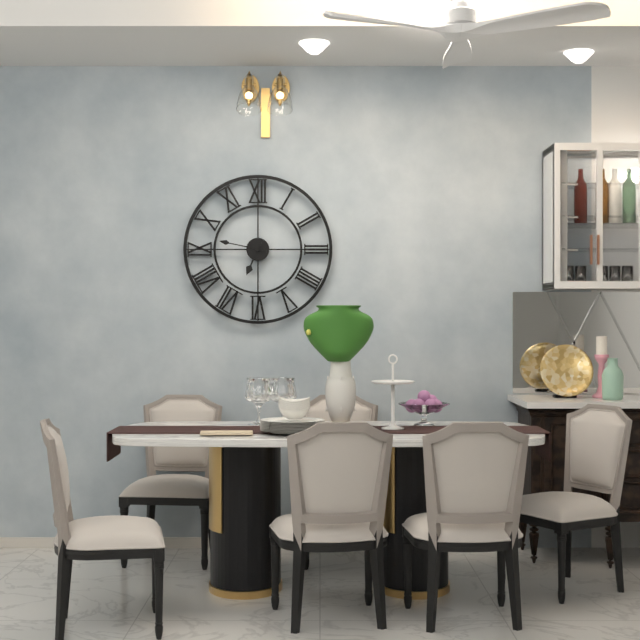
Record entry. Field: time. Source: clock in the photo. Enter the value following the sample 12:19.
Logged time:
6:47
